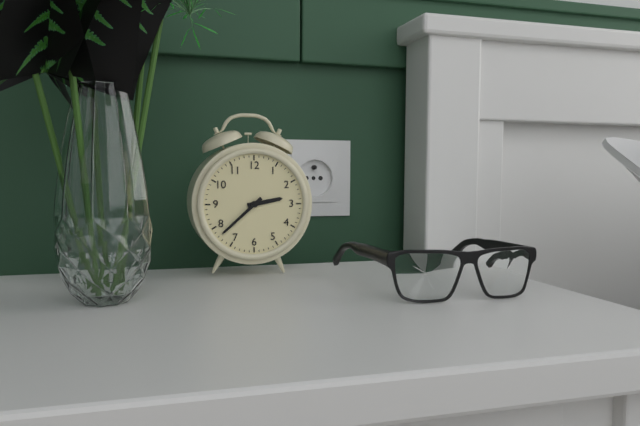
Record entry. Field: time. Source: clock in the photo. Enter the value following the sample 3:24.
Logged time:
2:38
